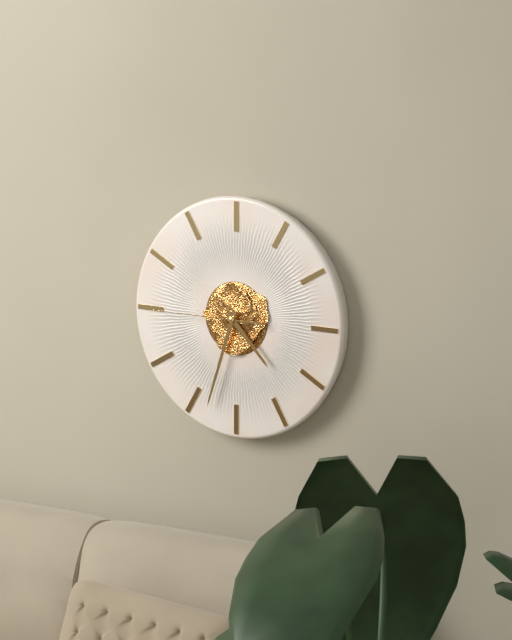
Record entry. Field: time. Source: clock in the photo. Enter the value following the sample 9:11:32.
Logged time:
4:33:45
